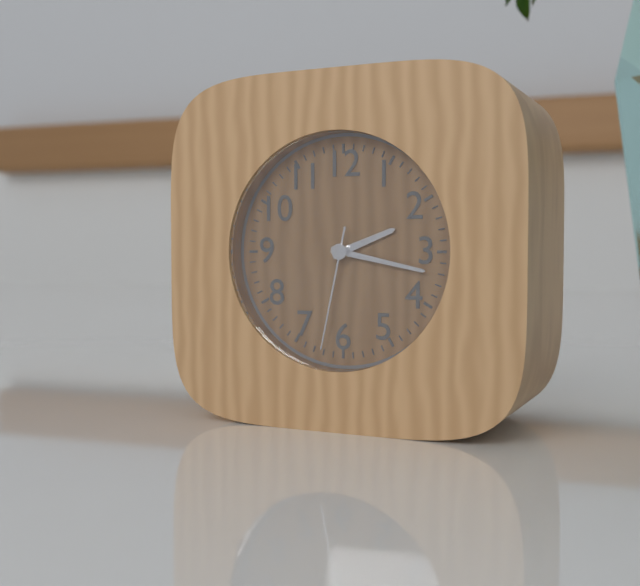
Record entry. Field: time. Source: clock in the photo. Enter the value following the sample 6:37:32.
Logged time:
2:17:32
